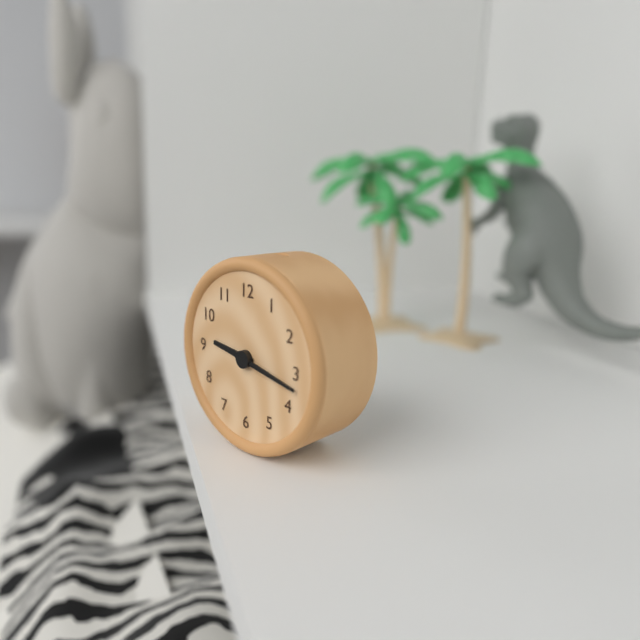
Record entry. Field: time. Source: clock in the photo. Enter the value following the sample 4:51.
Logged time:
9:17
